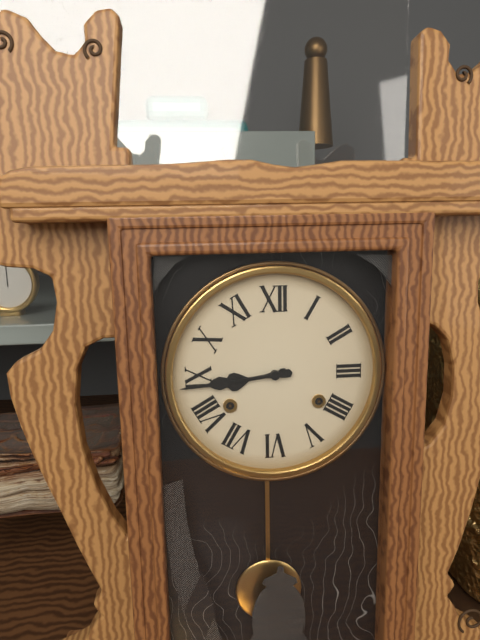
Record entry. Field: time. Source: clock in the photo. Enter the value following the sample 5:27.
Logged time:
8:44
